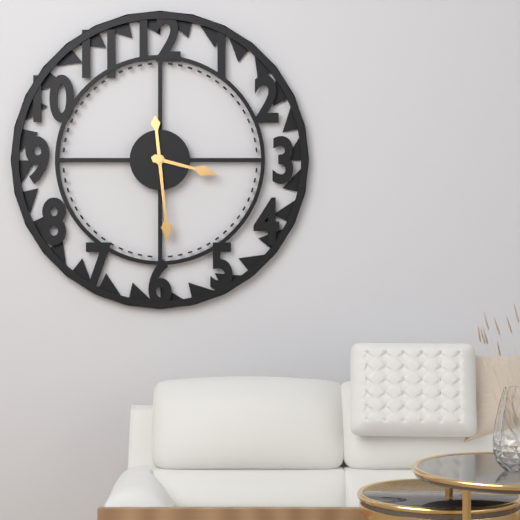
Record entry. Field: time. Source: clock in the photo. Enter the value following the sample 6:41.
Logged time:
3:29
